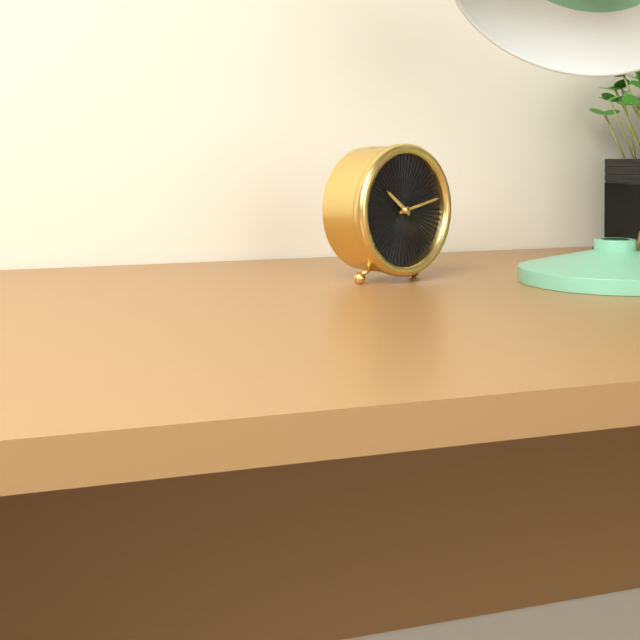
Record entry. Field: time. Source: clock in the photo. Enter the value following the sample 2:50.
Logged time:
10:13
